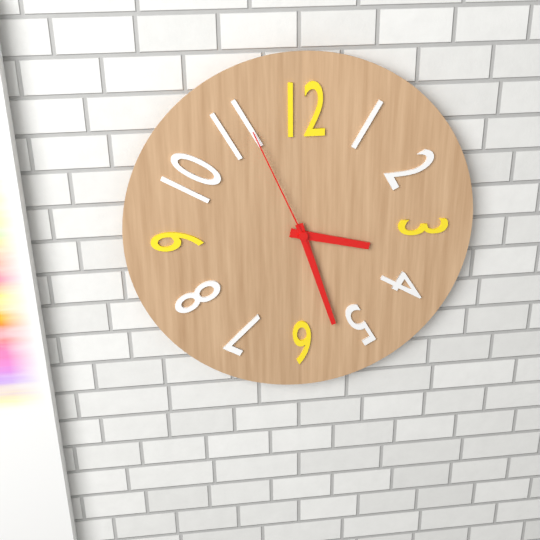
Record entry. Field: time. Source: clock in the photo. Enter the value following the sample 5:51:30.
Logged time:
3:27:56
